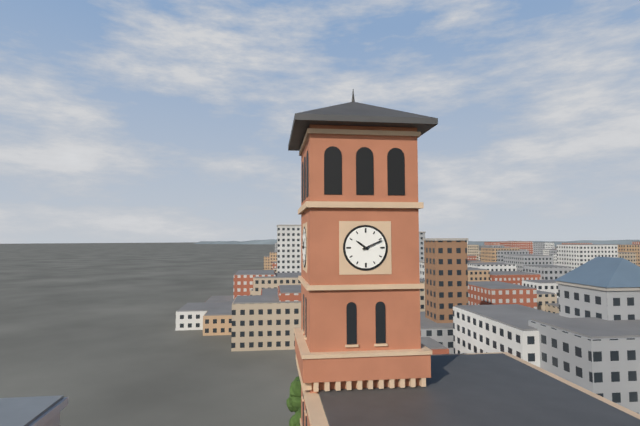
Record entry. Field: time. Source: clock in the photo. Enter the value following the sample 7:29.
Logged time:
10:11
